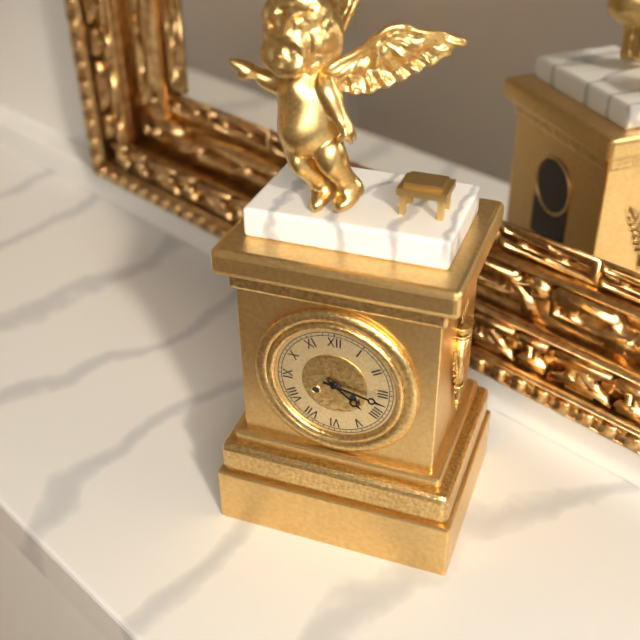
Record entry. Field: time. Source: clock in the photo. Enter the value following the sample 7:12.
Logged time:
4:17
